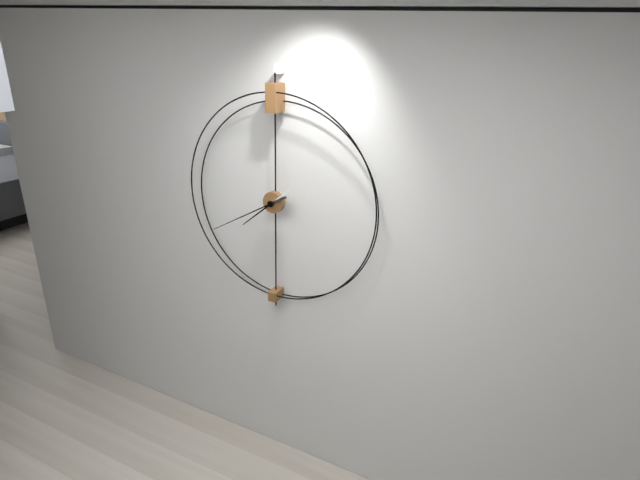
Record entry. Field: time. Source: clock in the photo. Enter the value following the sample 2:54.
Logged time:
7:40
